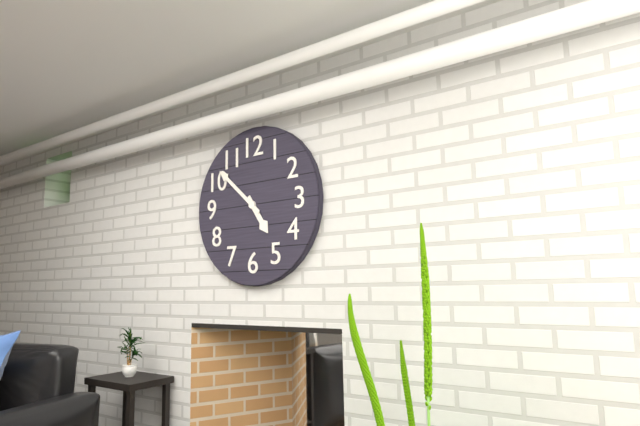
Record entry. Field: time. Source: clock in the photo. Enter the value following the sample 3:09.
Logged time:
4:52
